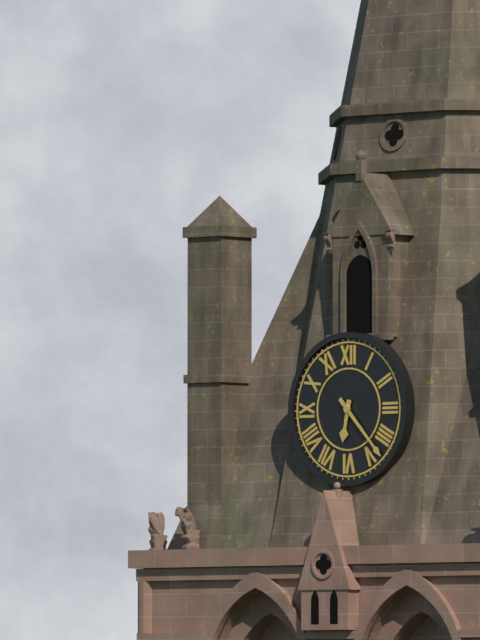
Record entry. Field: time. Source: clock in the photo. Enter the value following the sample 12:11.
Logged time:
6:23
